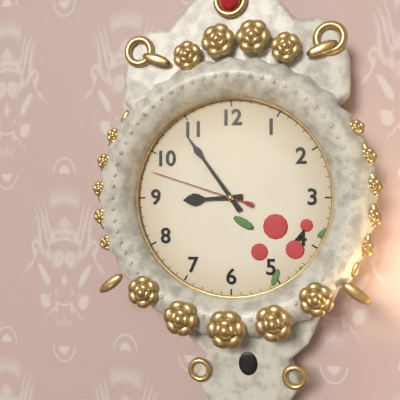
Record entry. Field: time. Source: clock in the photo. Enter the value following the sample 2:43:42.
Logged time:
8:54:48
